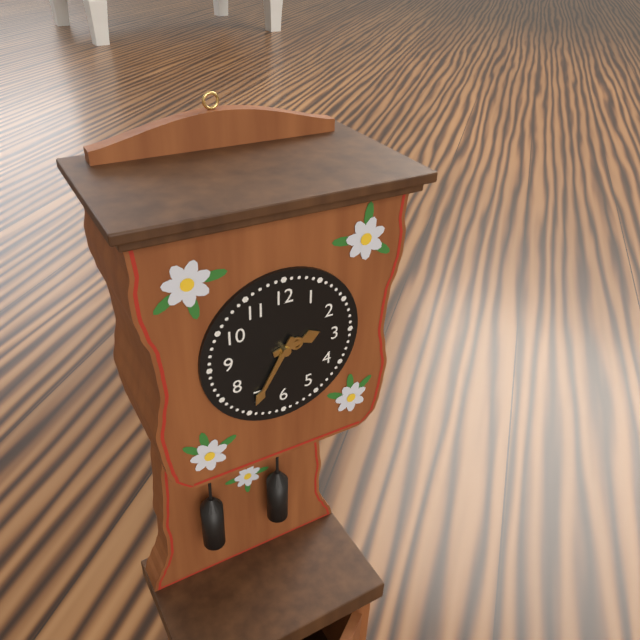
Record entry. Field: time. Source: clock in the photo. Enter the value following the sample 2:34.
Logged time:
2:35
